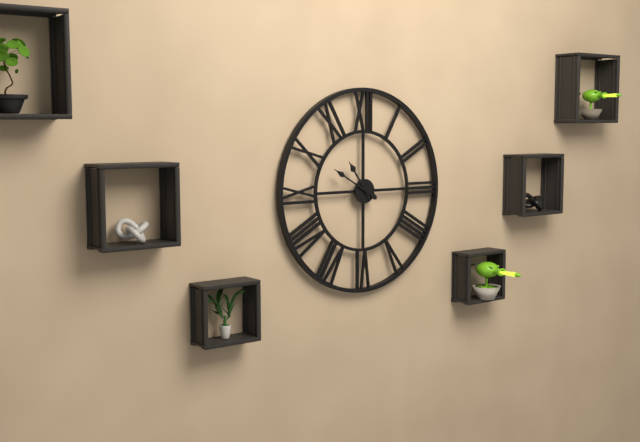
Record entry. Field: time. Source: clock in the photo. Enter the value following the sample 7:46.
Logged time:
10:50
